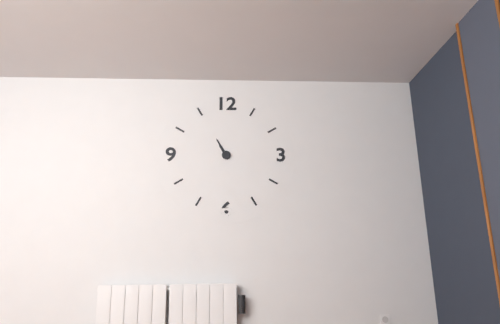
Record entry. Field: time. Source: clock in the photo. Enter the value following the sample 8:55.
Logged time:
10:55
